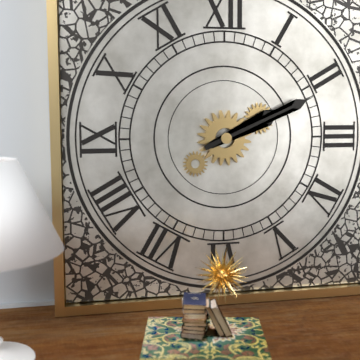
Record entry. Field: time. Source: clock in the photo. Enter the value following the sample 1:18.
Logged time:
2:11
